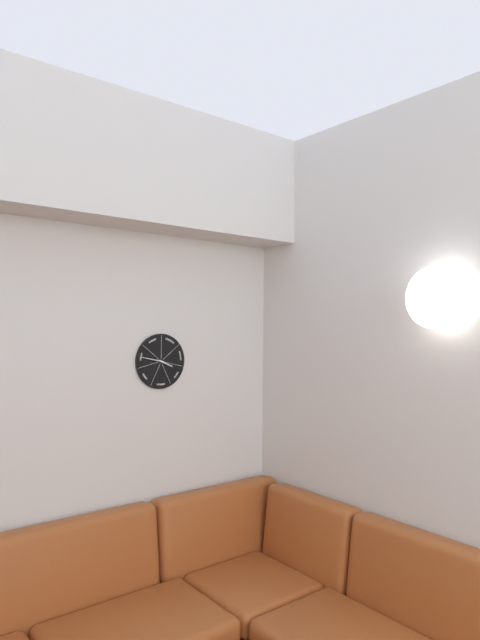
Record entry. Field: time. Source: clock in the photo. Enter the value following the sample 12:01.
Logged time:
3:47
